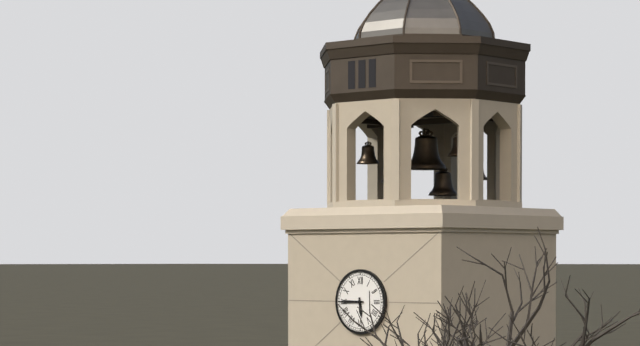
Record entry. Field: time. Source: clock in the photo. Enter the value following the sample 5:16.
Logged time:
5:45
